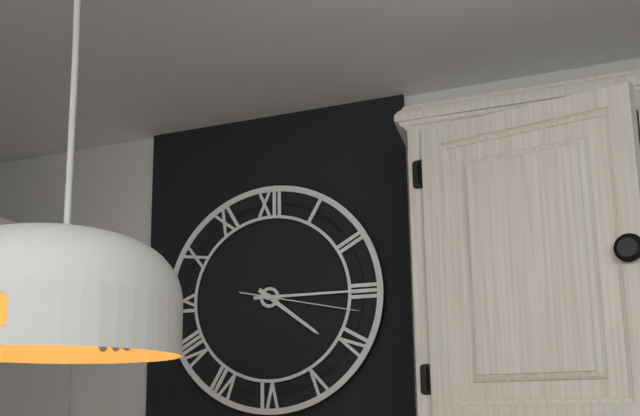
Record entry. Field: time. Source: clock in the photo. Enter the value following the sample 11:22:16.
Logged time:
4:15:17
